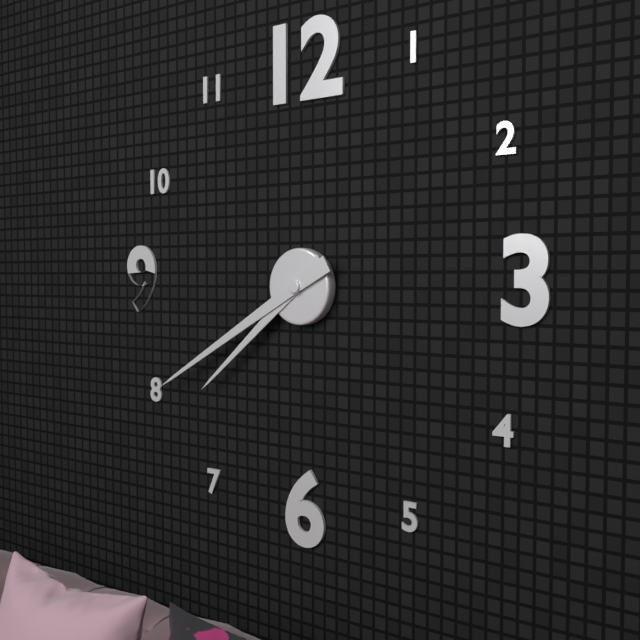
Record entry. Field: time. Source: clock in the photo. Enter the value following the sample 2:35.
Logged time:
7:40
